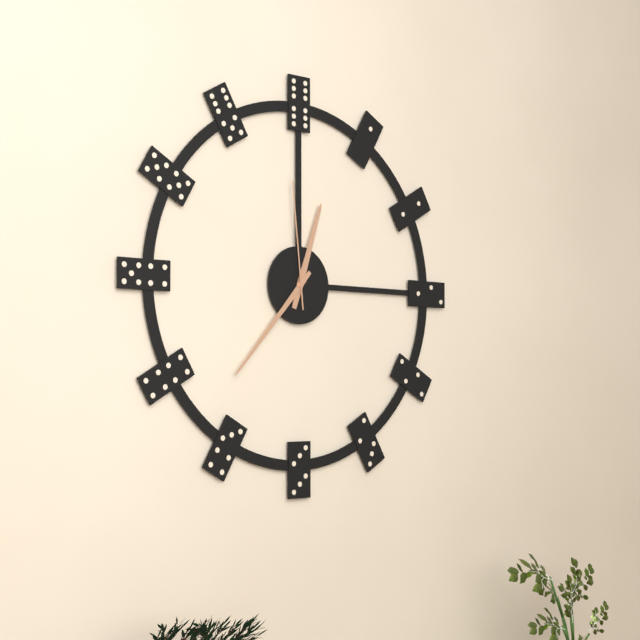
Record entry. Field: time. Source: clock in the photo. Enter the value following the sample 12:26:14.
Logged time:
12:37:59
